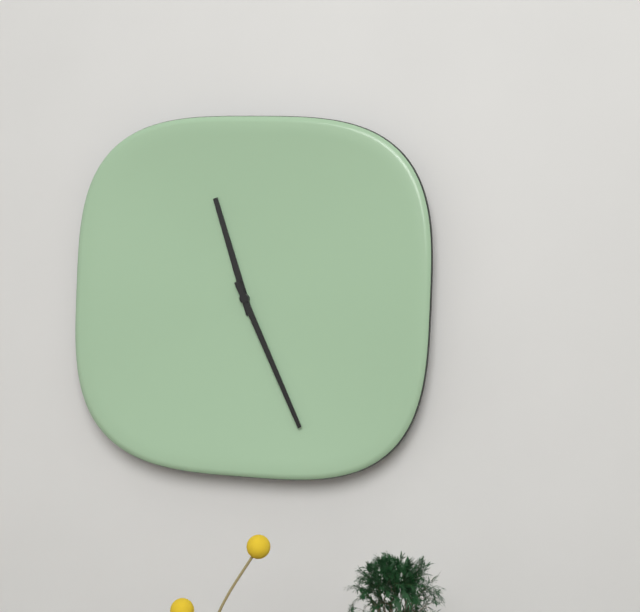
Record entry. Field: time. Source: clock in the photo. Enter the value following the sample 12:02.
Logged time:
11:26
